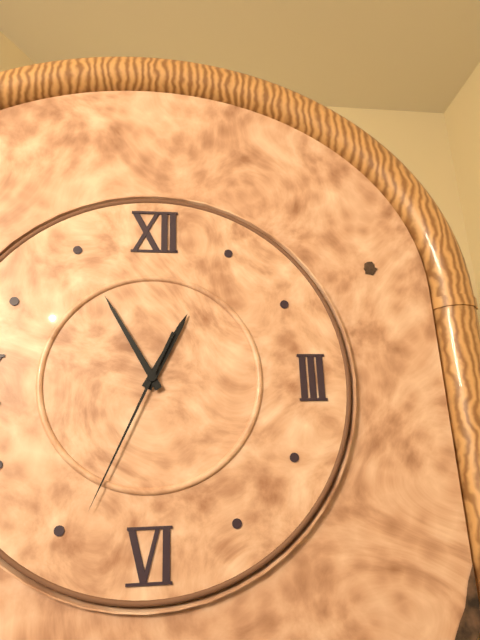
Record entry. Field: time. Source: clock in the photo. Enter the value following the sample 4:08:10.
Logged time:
12:55:34
